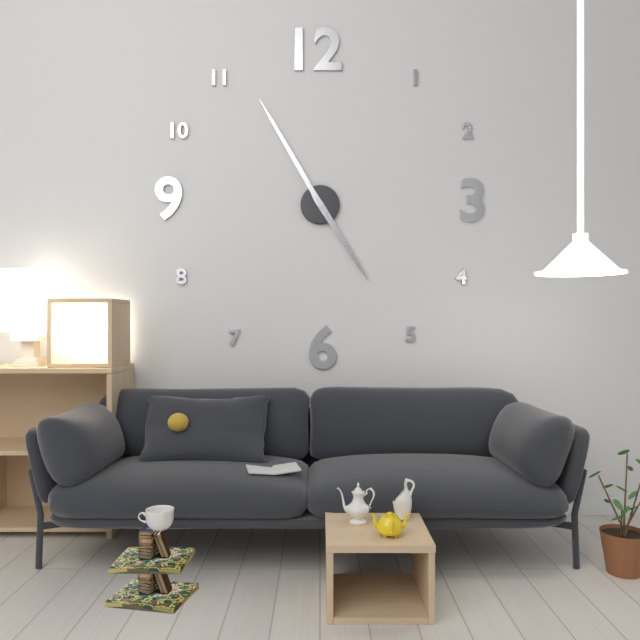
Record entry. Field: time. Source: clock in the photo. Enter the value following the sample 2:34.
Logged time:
4:55
